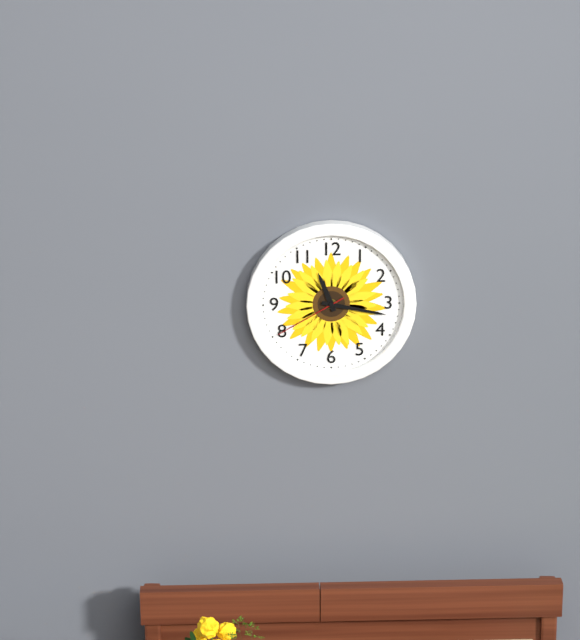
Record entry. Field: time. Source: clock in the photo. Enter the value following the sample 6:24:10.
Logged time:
11:17:40
